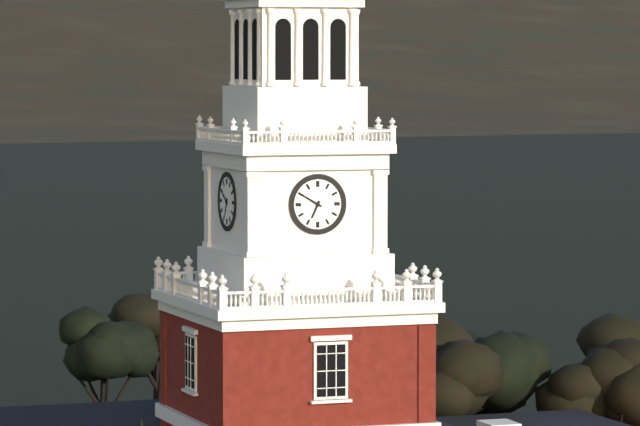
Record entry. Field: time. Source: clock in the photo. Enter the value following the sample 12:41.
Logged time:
6:50
